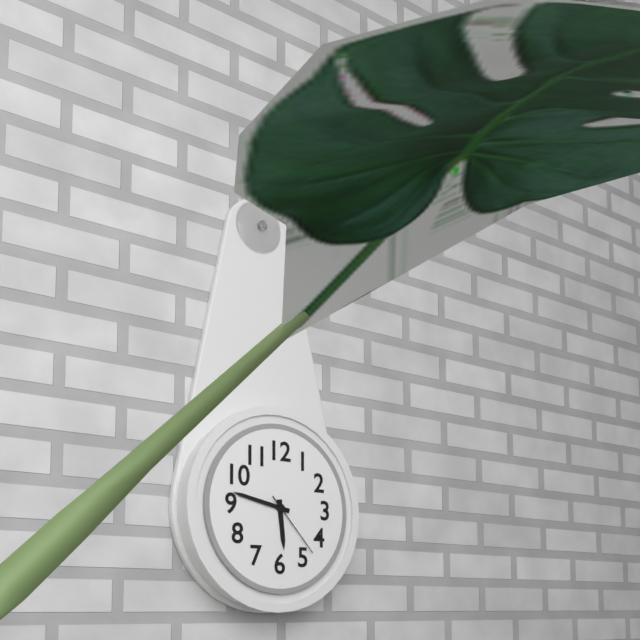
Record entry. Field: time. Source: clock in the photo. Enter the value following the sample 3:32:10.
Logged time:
5:47:23
